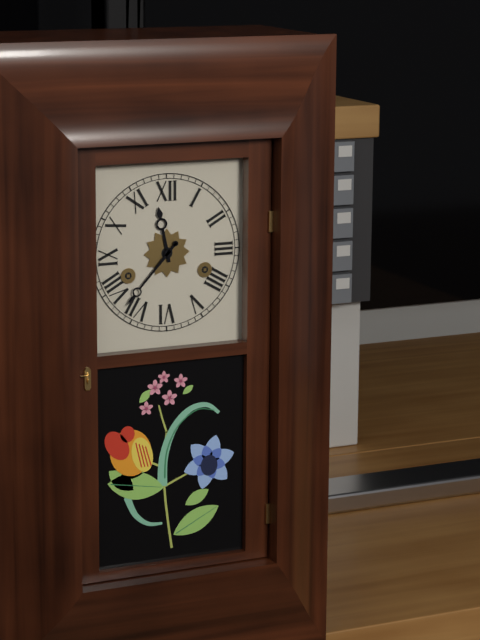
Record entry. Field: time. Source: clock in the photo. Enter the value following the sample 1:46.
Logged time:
11:37
